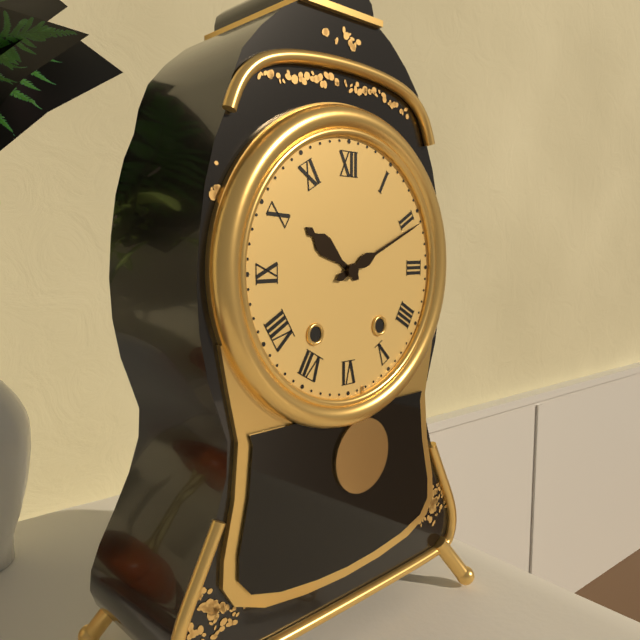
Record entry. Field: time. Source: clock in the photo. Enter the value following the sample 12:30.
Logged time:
10:11
